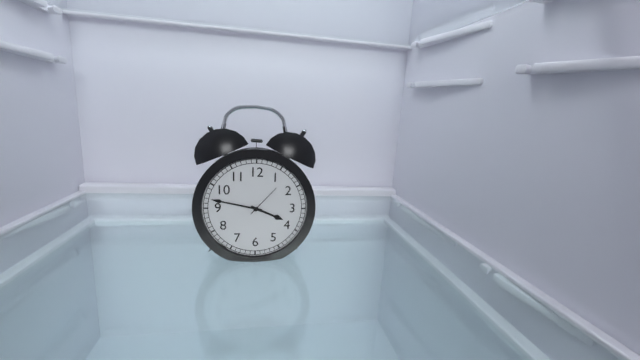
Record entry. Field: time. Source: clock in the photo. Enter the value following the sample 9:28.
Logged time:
3:47
